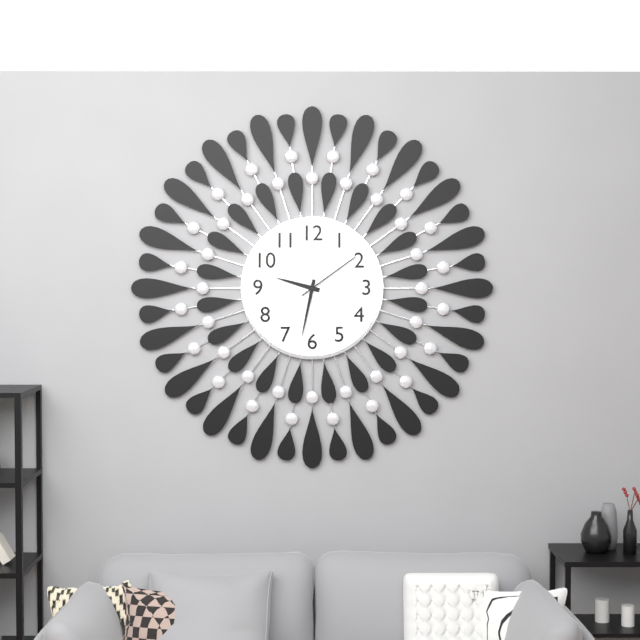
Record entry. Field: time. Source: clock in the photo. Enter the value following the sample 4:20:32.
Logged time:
9:32:09
